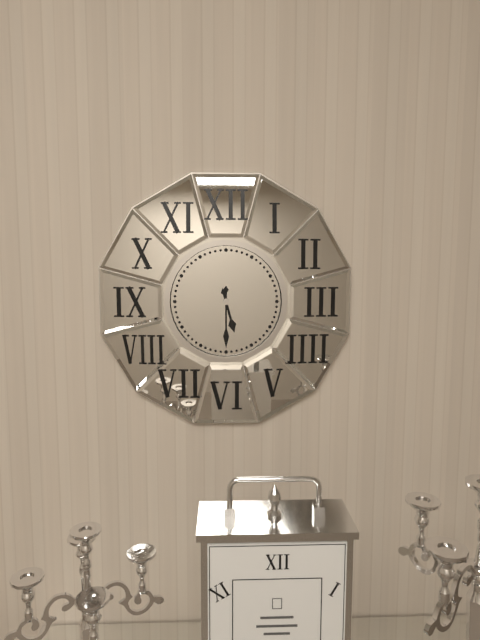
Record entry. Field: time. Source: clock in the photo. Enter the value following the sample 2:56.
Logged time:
5:30
